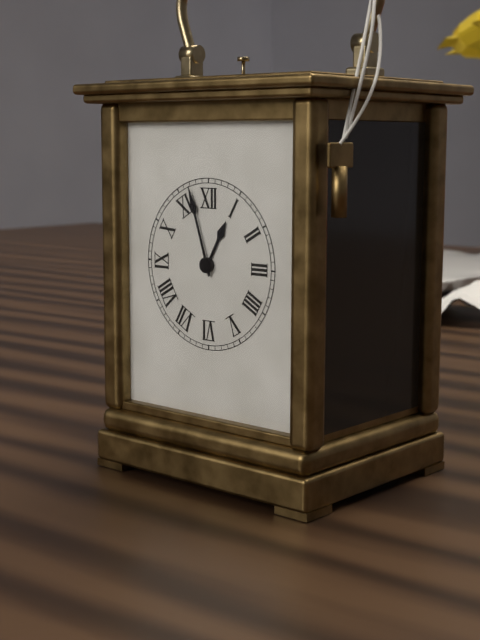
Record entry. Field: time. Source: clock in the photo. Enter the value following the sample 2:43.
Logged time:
12:57
